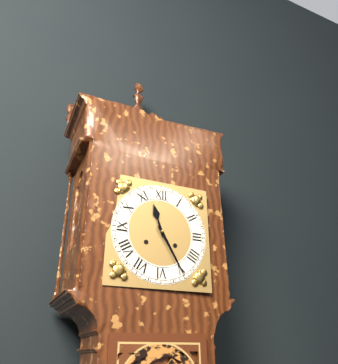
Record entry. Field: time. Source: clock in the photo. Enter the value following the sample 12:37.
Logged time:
11:25
